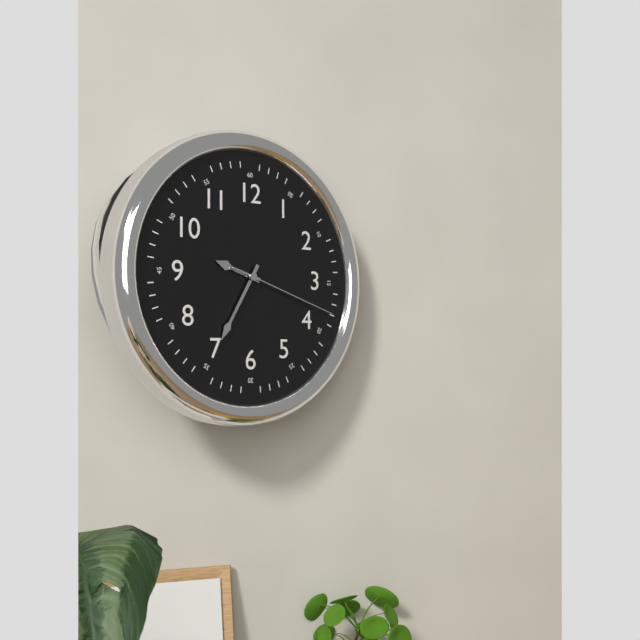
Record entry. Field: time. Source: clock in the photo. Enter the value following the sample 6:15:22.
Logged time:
9:35:18
